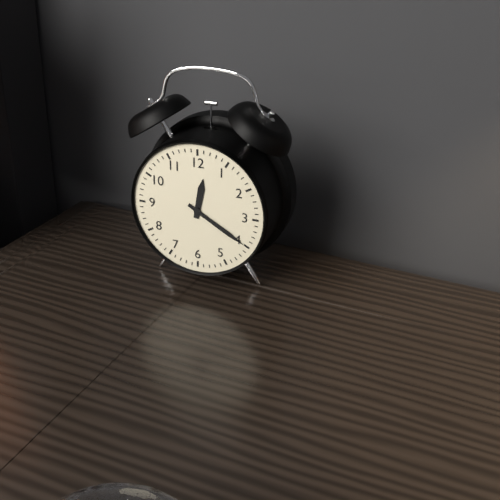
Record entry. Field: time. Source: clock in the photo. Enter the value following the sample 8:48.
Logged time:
12:20
